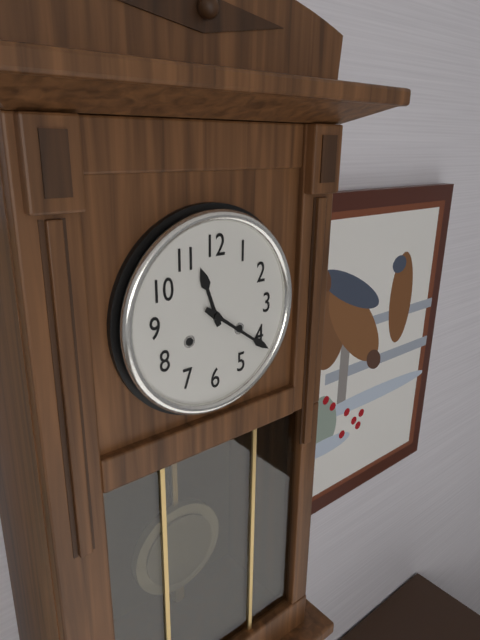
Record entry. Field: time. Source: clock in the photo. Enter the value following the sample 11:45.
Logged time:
11:21
